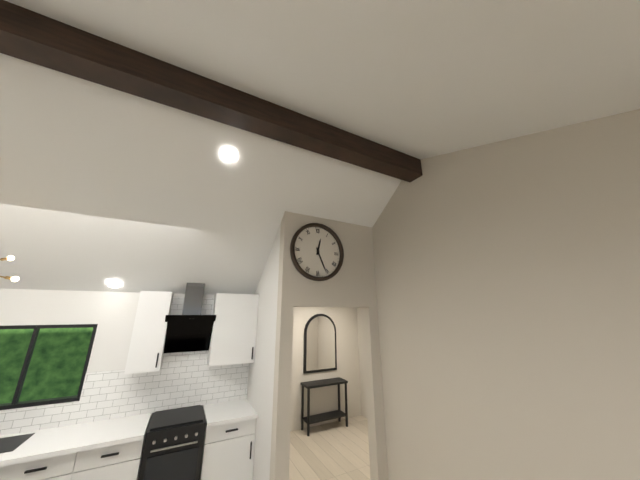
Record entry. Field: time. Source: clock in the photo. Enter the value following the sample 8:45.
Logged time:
12:26
